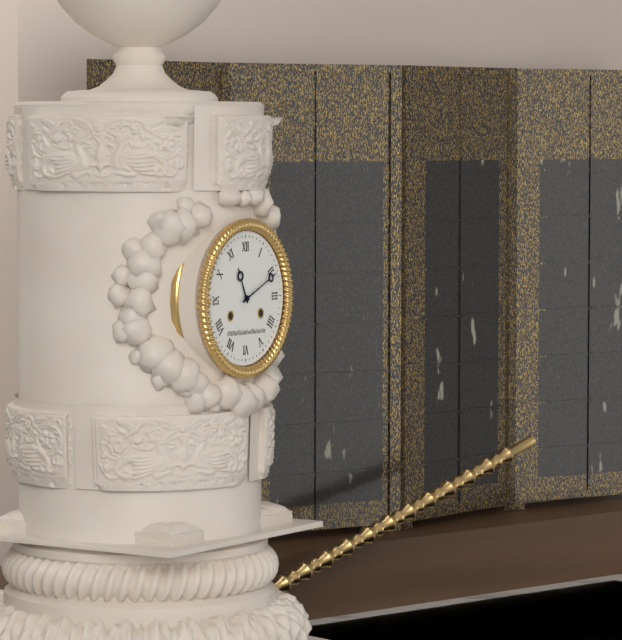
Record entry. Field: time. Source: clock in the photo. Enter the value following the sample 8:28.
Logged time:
11:11
